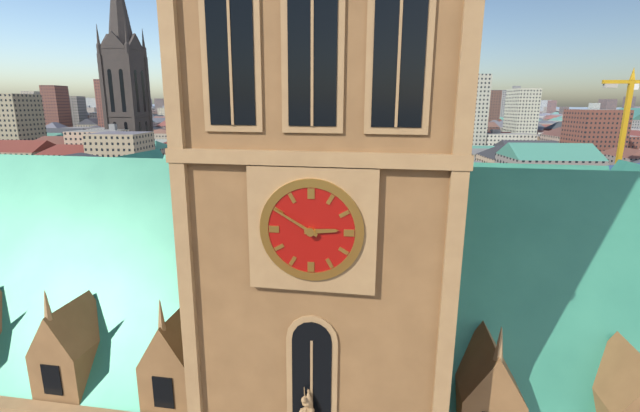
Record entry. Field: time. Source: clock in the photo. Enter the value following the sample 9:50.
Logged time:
2:50
